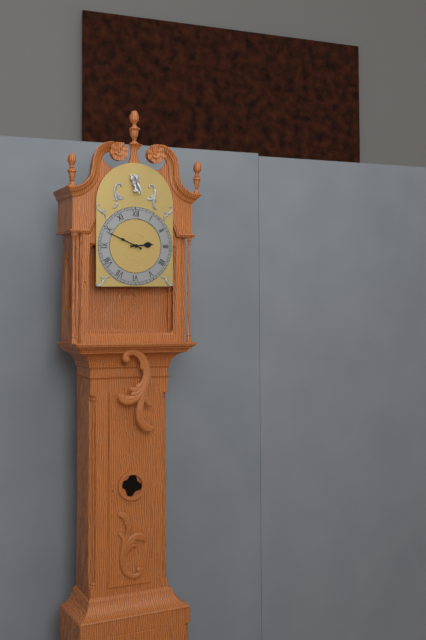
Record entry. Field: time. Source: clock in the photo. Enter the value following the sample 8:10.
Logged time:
2:49
